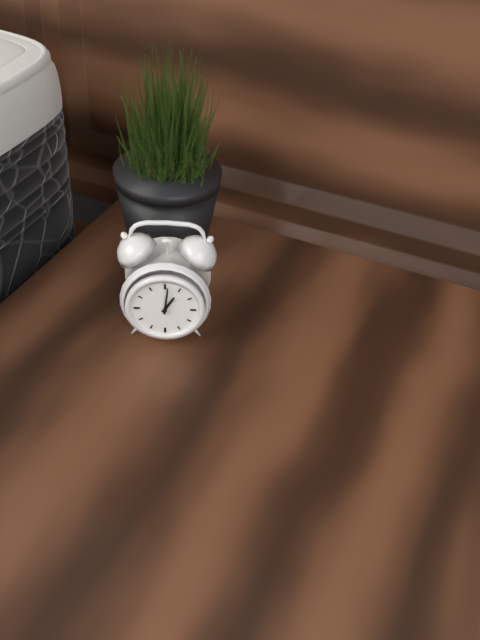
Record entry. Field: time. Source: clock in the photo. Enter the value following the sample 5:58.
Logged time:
1:01
